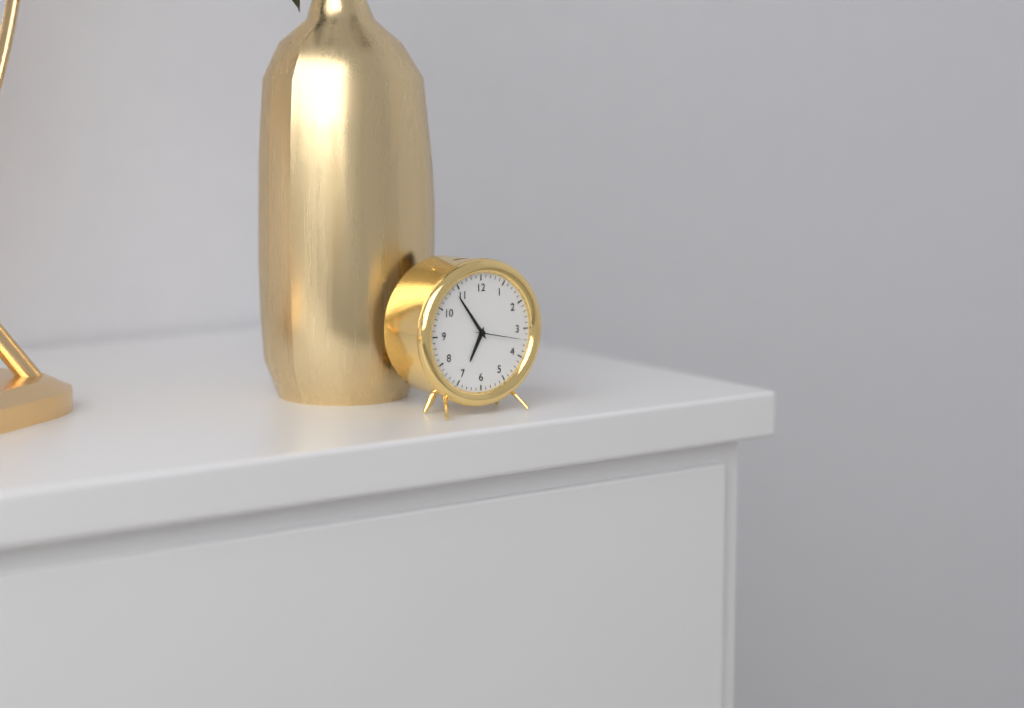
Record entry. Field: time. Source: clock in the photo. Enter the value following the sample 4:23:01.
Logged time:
6:54:17
